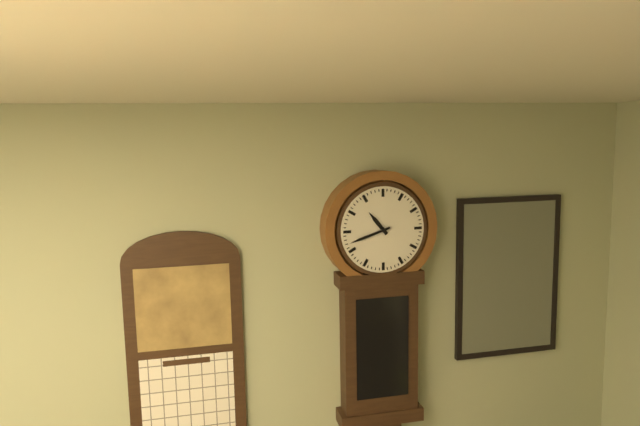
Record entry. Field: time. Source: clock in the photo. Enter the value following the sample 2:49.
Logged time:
10:42
